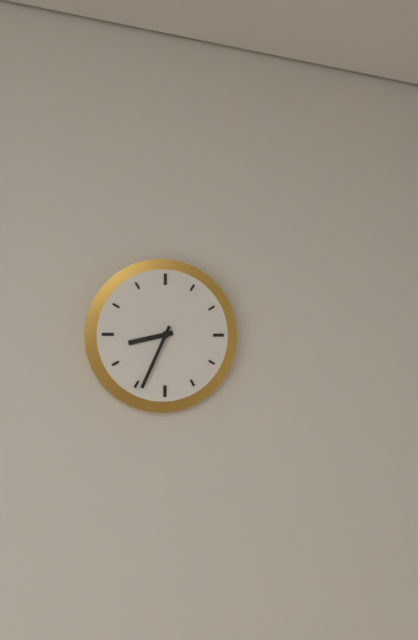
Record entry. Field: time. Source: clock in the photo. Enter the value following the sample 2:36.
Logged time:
8:34
